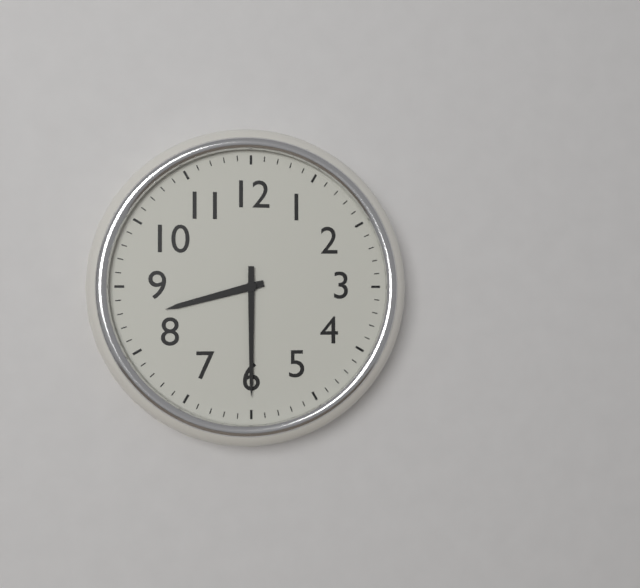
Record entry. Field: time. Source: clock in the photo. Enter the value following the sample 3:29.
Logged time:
8:30
